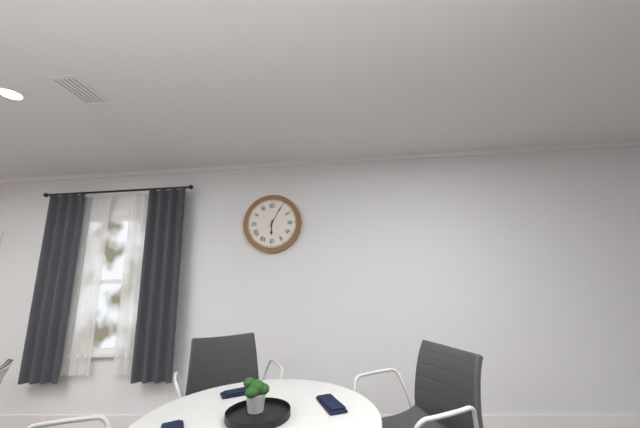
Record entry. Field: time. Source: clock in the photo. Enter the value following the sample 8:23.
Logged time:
6:05
